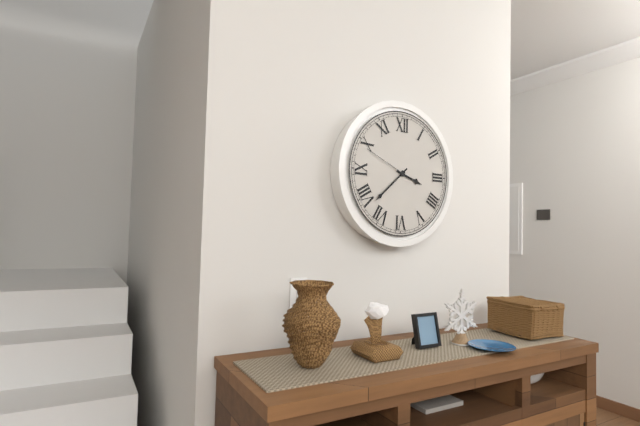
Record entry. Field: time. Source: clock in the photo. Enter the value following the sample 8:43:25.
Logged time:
3:38:49
